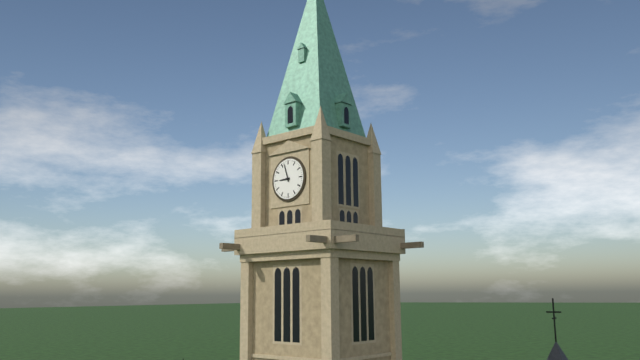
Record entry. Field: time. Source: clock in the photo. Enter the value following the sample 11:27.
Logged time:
8:57
